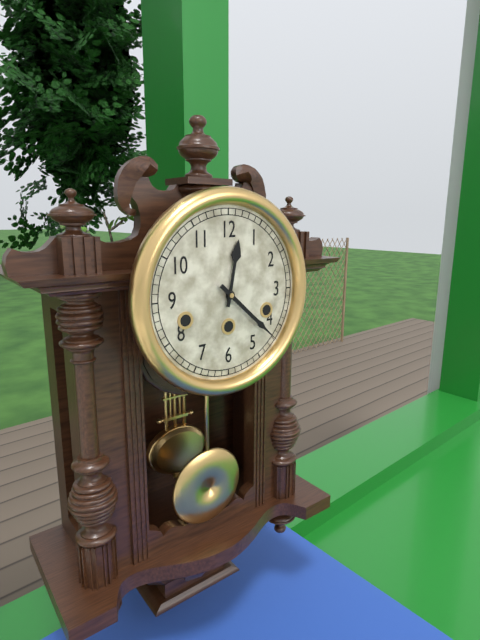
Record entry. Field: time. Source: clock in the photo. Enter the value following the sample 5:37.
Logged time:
12:22
